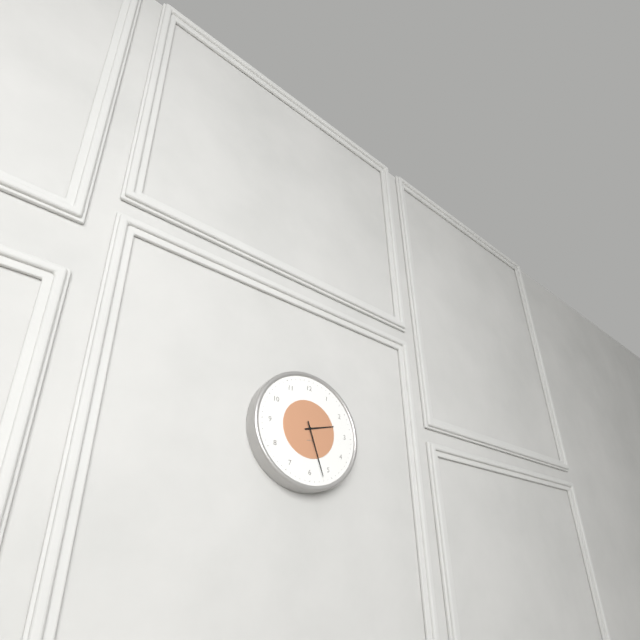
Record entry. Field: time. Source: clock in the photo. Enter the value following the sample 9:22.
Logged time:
2:27
